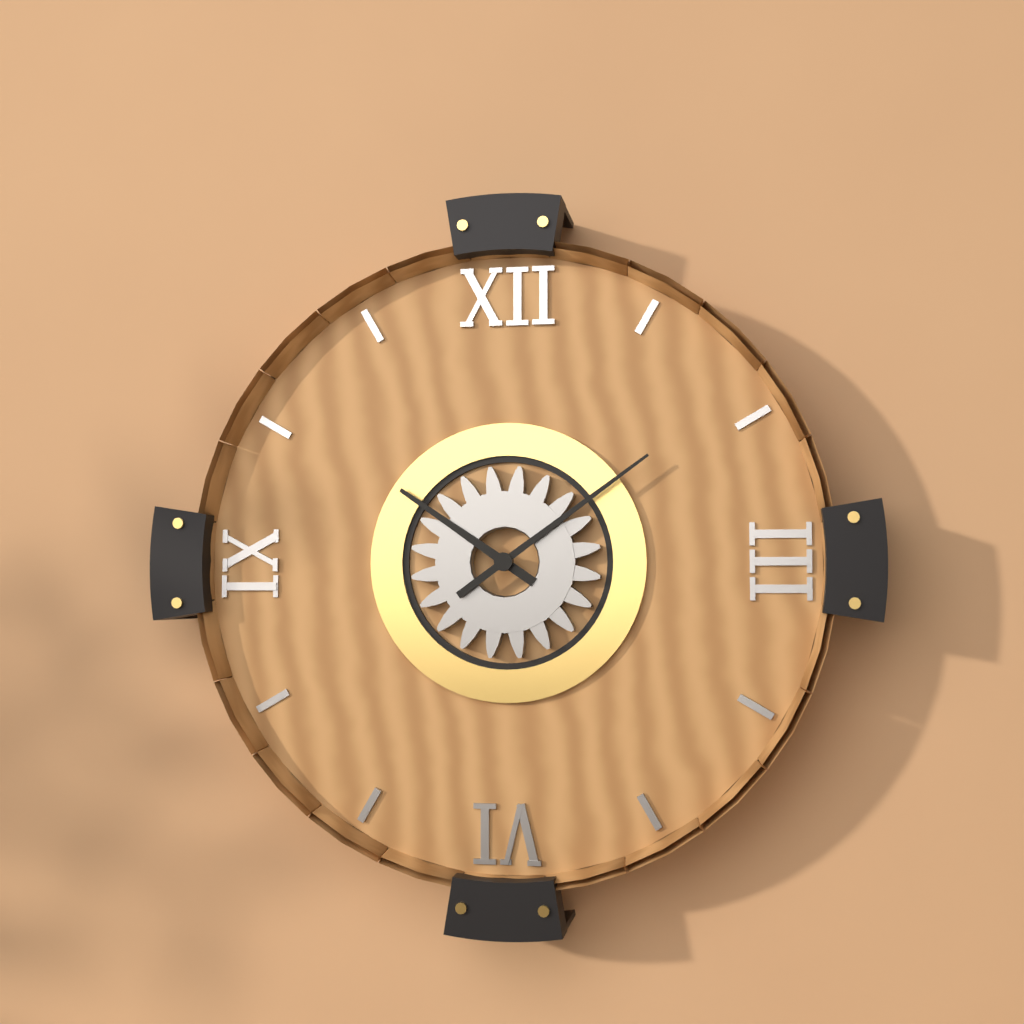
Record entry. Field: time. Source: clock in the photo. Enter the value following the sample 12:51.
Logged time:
10:09
